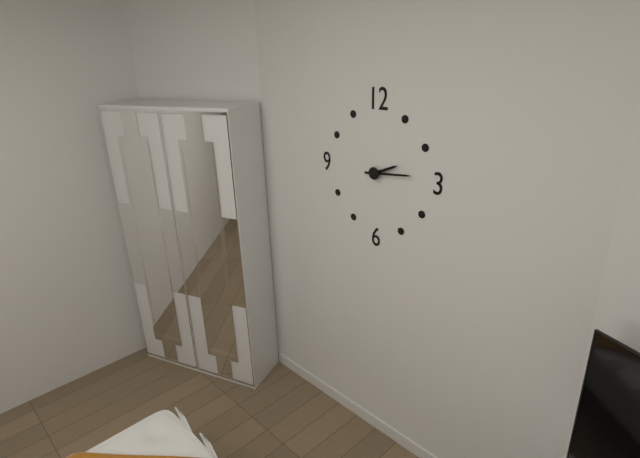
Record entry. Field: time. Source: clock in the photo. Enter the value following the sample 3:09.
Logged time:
2:14
